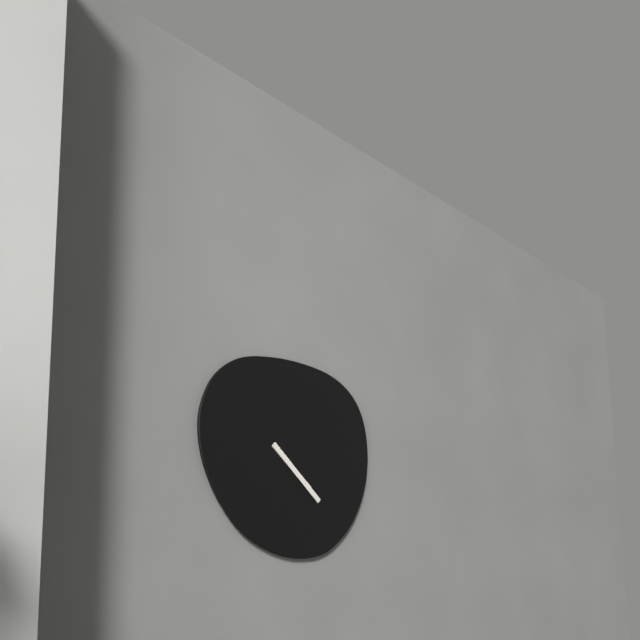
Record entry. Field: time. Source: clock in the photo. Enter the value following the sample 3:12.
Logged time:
4:22
